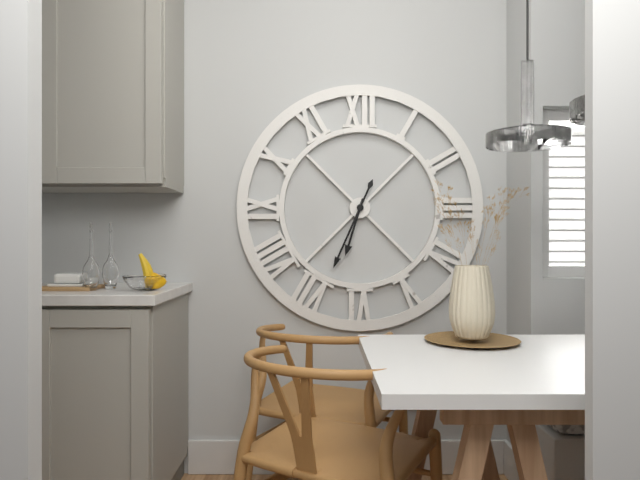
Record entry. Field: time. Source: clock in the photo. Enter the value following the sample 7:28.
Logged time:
6:34
